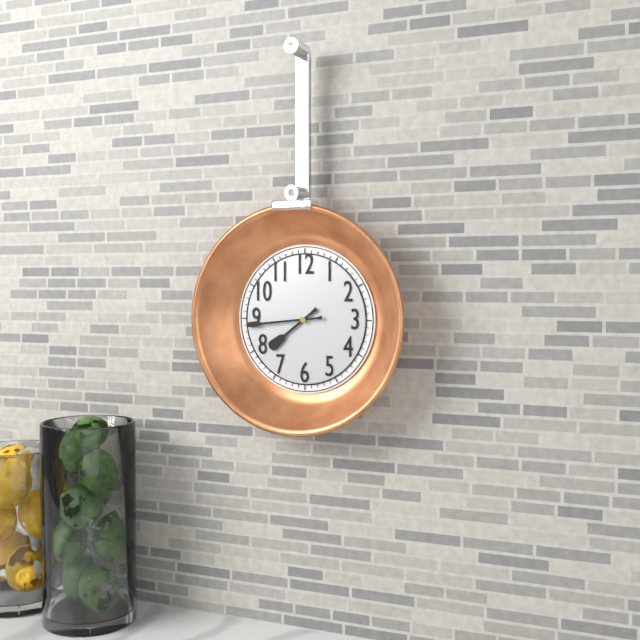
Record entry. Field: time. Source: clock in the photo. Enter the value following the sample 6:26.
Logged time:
7:44
